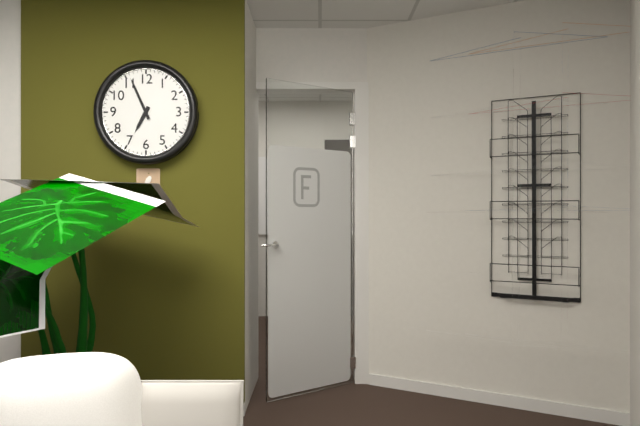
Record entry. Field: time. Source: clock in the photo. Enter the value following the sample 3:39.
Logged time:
6:56
